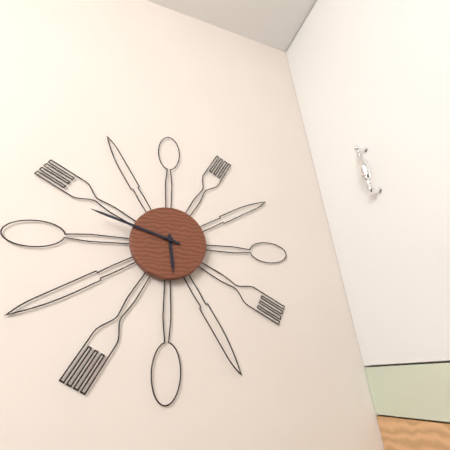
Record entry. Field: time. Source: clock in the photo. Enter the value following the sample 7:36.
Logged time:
5:48
